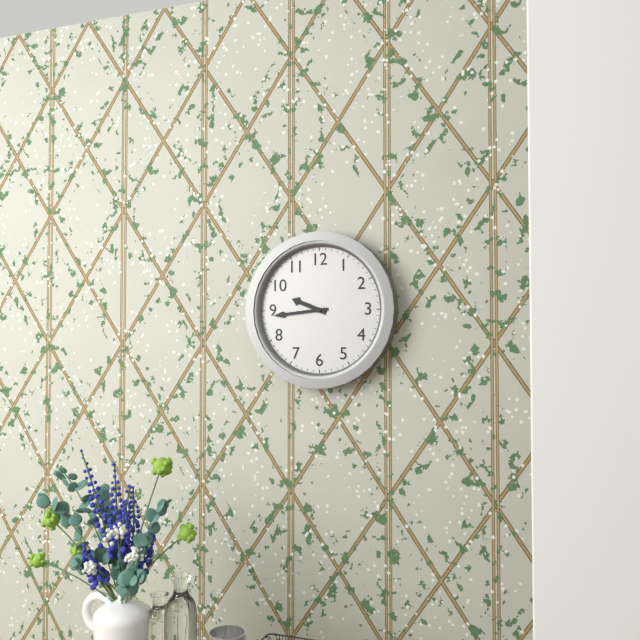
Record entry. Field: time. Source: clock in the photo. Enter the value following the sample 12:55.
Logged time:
9:44
